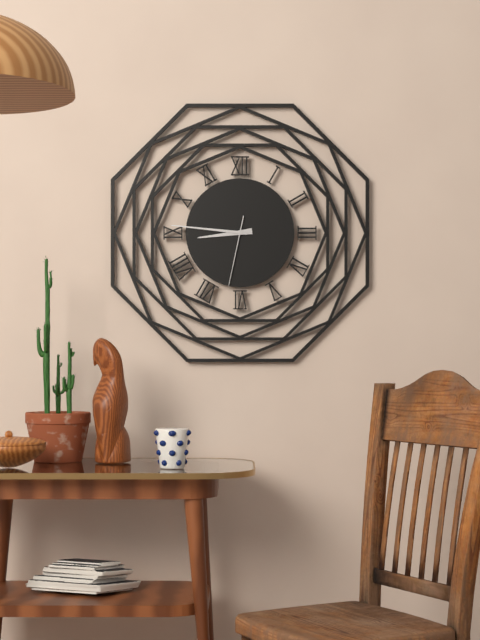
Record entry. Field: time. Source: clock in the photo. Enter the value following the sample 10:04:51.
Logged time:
8:46:32
